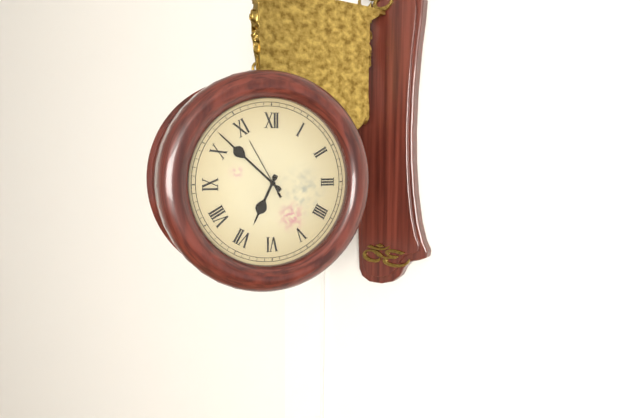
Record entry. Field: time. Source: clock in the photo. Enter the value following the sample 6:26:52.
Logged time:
6:52:55
